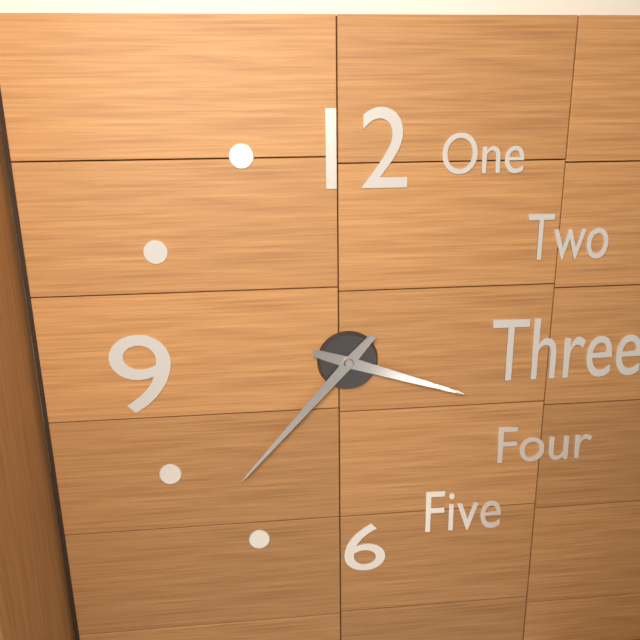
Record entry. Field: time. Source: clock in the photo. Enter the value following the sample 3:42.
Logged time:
3:37
